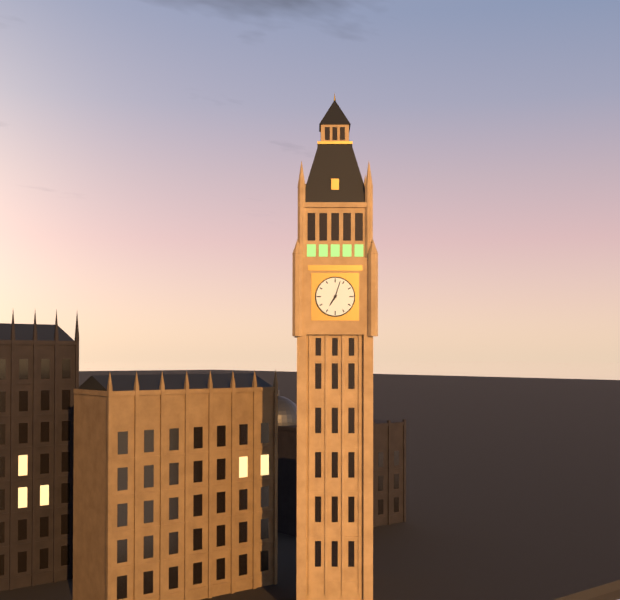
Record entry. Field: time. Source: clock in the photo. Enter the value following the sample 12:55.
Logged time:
7:03
